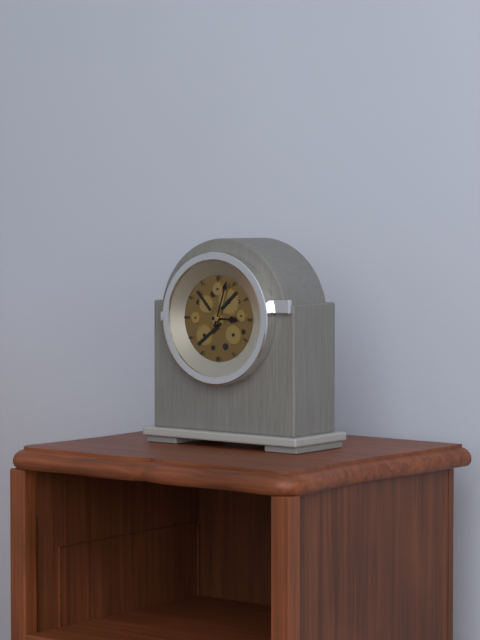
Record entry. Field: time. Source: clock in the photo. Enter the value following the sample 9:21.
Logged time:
3:03
